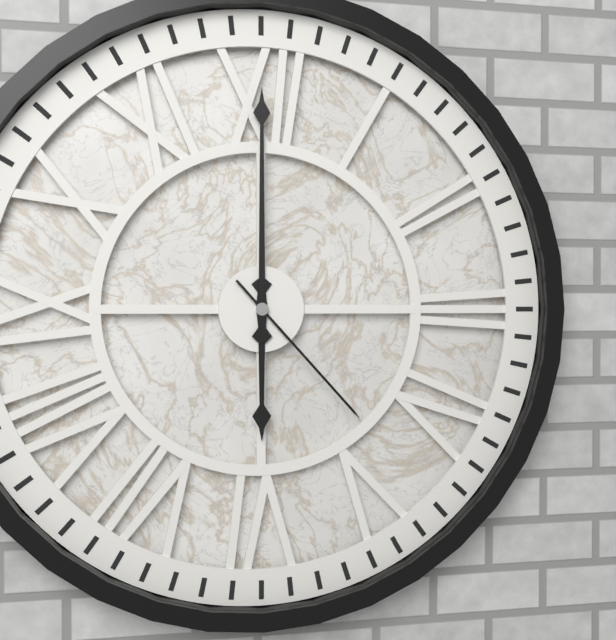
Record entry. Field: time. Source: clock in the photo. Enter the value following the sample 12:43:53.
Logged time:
6:00:23
